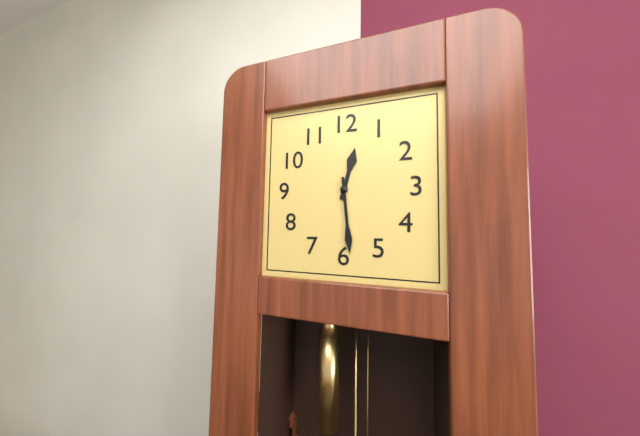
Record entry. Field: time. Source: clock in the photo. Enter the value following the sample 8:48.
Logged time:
12:29
